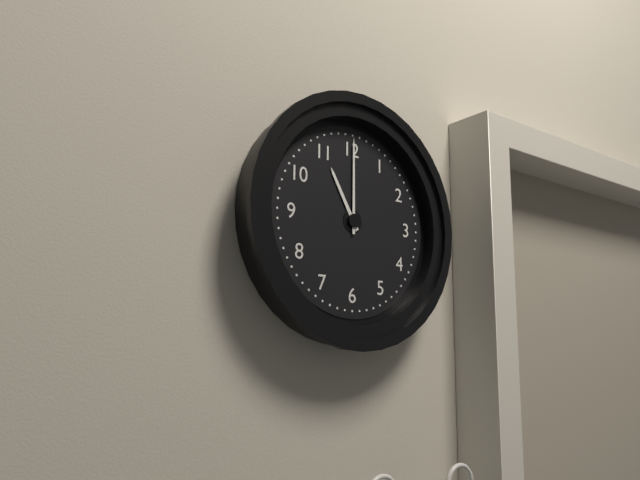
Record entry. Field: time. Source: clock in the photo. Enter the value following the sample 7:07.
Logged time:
11:00
